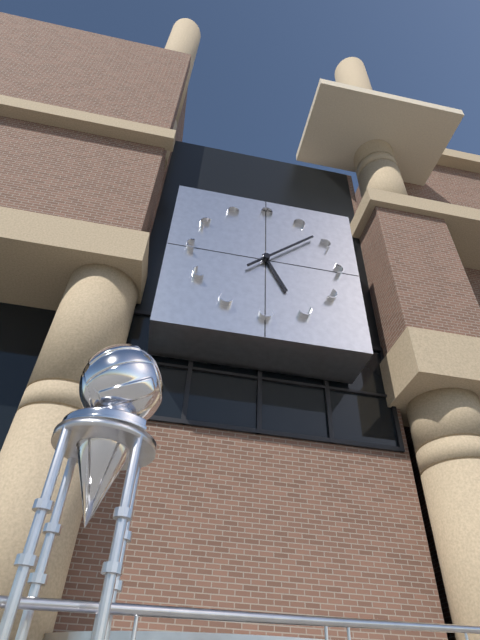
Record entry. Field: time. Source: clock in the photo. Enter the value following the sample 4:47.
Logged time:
5:08
